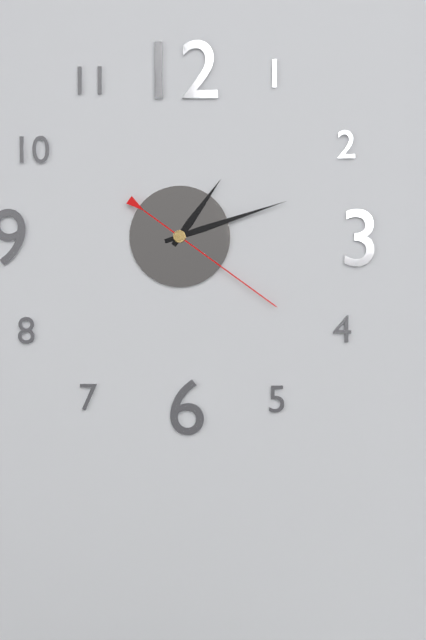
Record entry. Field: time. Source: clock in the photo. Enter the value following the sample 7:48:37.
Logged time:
1:12:21
